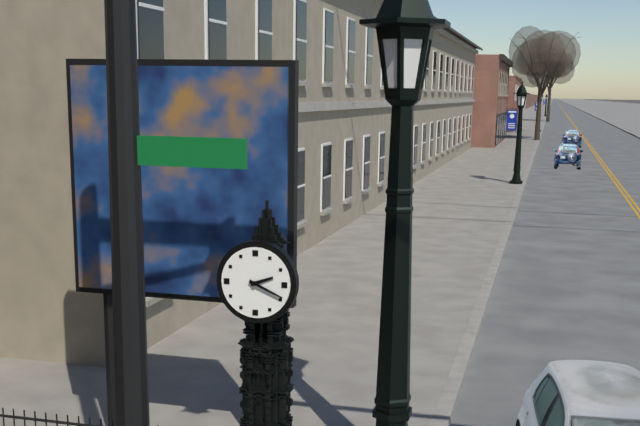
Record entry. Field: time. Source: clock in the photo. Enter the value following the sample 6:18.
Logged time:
2:19
